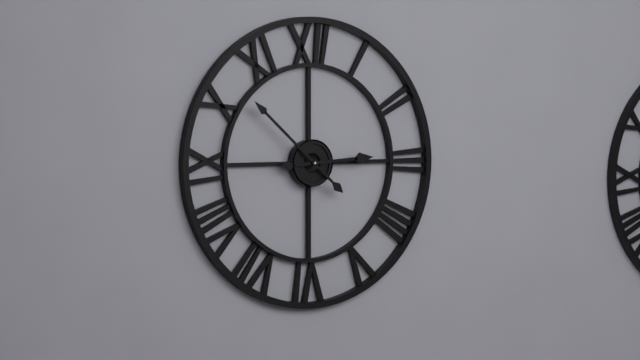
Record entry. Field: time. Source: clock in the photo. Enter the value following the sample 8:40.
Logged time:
2:52
